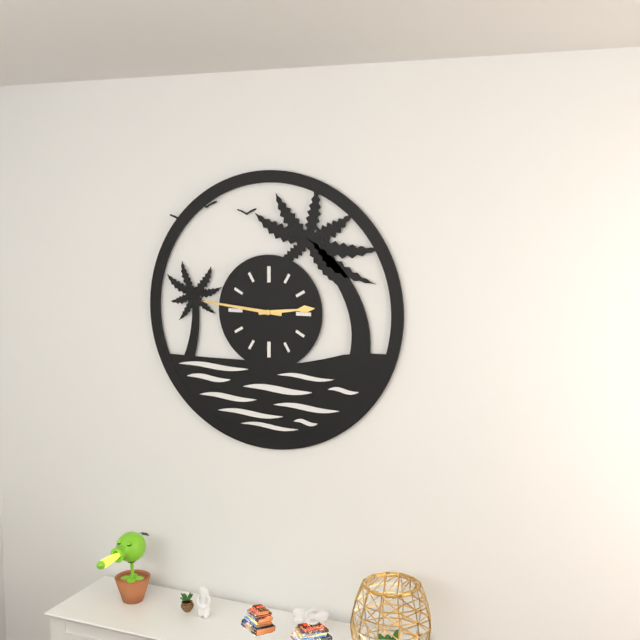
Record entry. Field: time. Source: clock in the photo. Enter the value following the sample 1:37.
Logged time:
2:46
